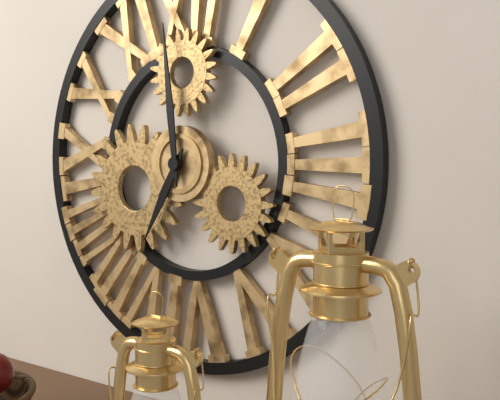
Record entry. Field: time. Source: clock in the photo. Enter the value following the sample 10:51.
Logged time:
6:59
